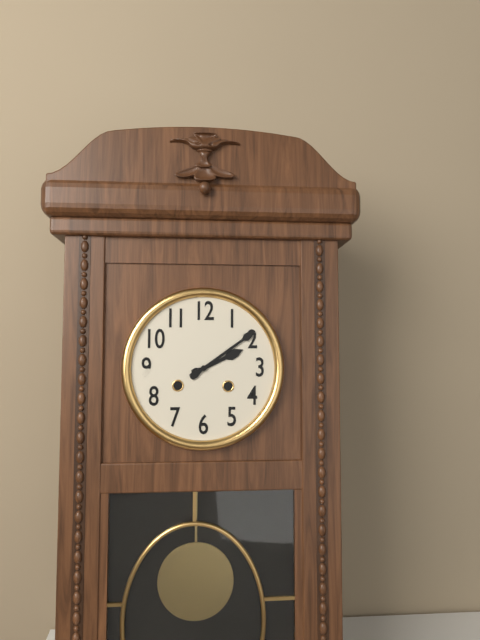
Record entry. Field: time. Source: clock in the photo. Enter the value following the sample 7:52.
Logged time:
2:09
